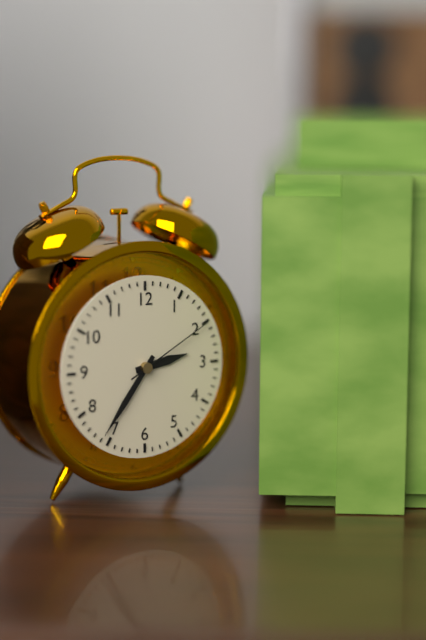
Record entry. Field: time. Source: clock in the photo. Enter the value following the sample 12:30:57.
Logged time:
2:36:10
